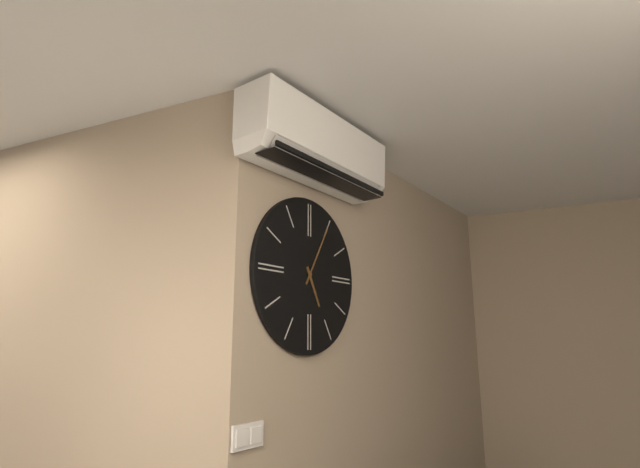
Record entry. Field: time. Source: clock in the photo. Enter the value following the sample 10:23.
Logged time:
5:05
